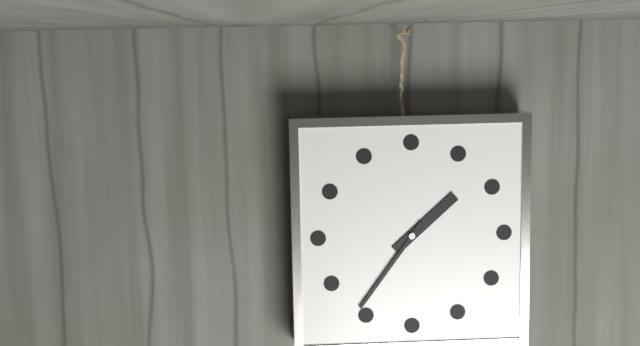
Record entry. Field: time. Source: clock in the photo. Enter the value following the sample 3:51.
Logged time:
1:36
